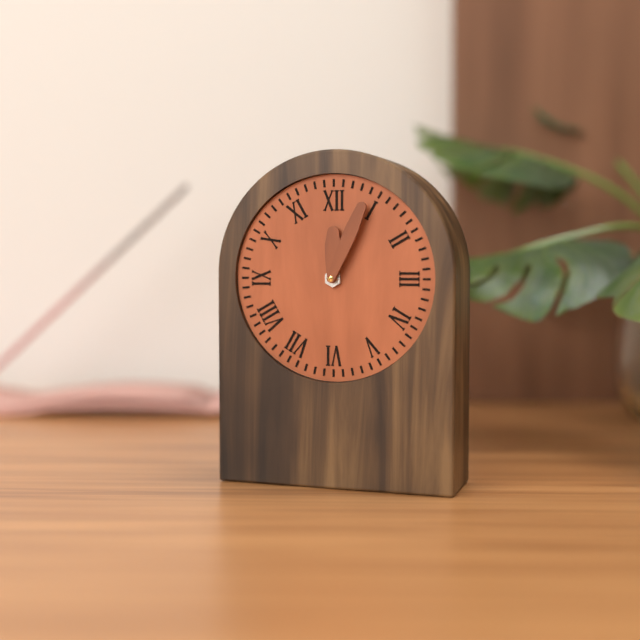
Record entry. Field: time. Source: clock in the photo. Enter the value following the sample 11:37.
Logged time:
12:04
